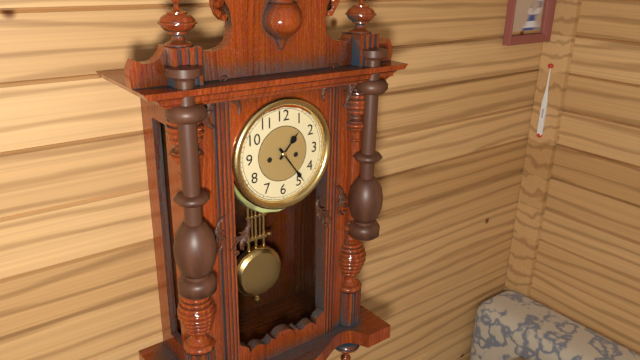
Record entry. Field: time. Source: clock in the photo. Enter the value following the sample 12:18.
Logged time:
1:24
